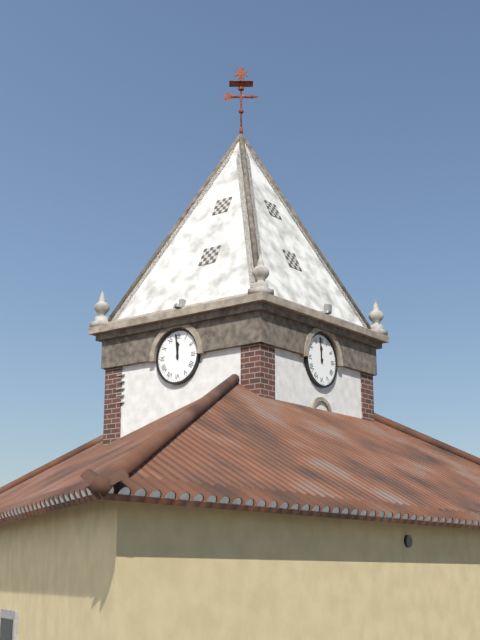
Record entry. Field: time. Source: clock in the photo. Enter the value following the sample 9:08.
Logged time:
11:59
